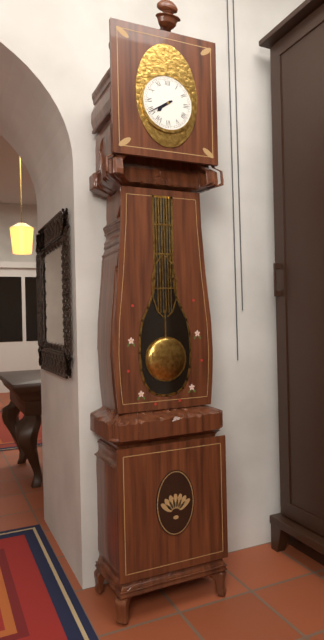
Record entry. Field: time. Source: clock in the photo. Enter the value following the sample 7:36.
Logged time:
7:40
